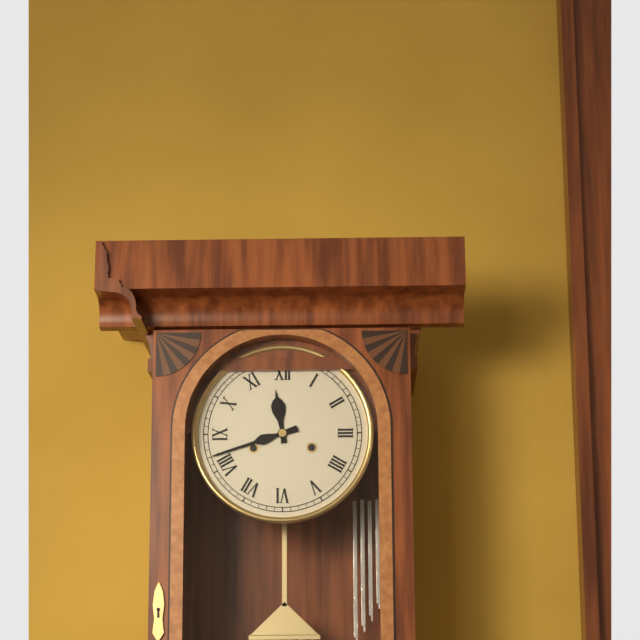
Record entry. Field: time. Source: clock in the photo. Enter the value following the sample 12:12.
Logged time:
11:42
